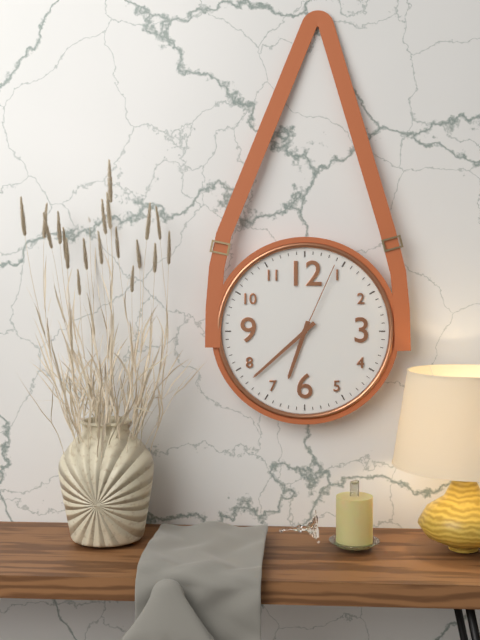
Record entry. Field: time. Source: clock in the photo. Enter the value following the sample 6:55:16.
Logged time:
6:38:04
